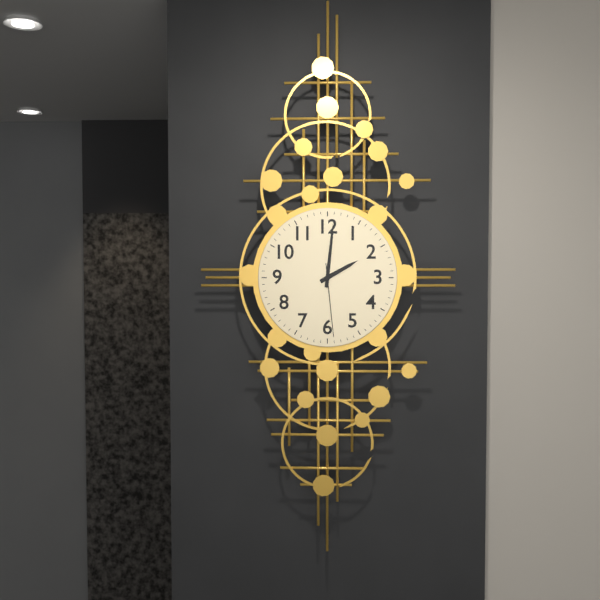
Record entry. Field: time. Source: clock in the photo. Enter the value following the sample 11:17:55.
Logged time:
2:01:29
